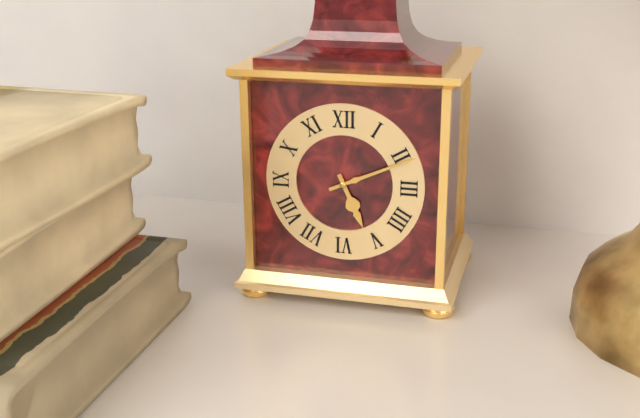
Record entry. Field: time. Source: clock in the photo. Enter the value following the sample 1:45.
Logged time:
5:11
